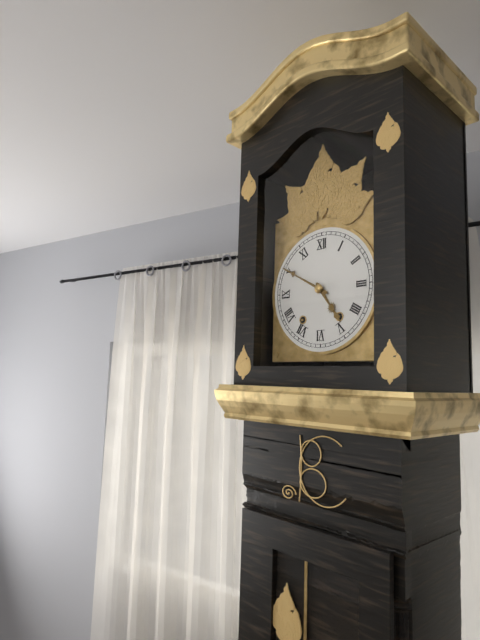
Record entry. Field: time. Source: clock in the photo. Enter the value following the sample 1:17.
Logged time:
4:50
